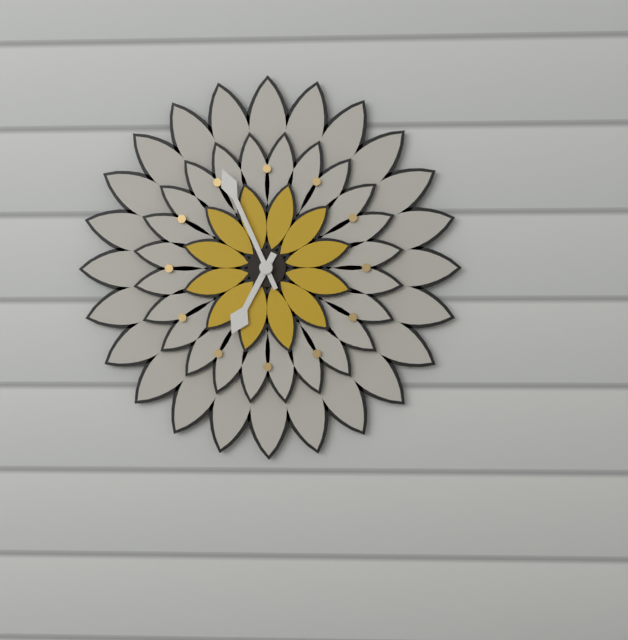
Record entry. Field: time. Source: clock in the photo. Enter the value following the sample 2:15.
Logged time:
6:56
